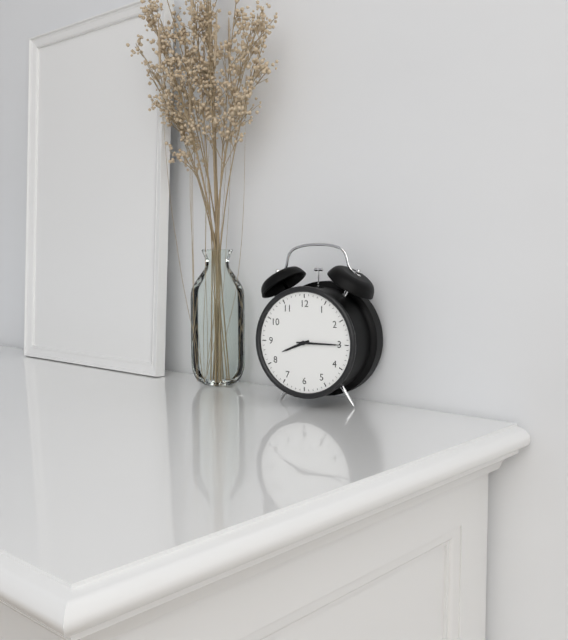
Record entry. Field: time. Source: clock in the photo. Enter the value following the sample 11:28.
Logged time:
8:15
